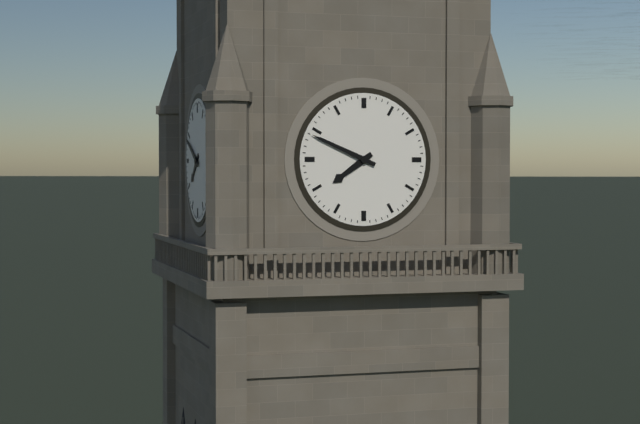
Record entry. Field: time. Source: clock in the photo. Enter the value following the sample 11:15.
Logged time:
7:49
